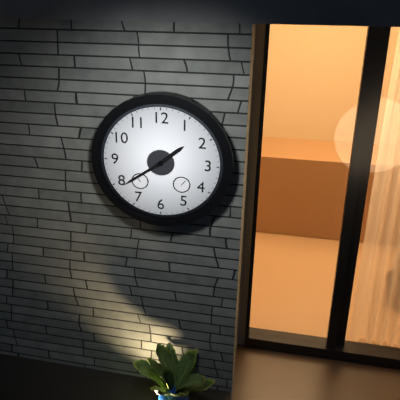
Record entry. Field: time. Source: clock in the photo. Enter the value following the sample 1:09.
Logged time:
1:39
